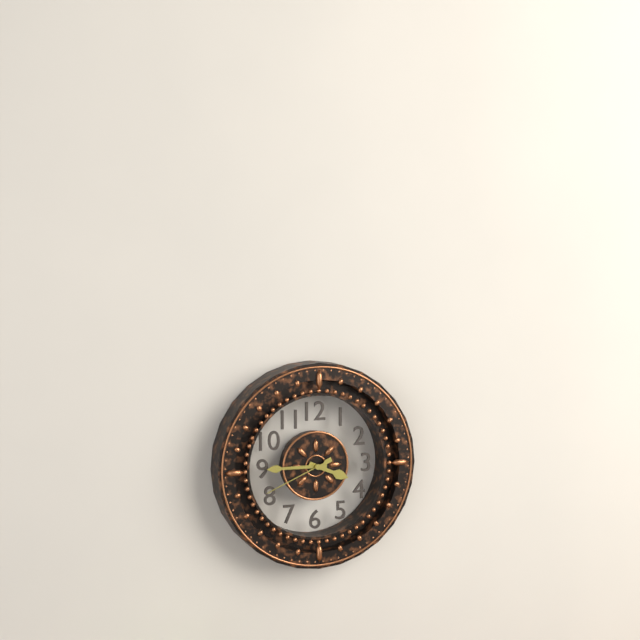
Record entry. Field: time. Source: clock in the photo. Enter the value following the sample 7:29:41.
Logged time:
3:45:41
